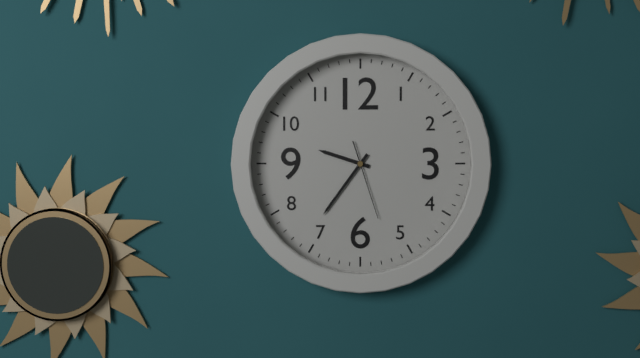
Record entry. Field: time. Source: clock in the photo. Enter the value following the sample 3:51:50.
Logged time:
9:36:27
